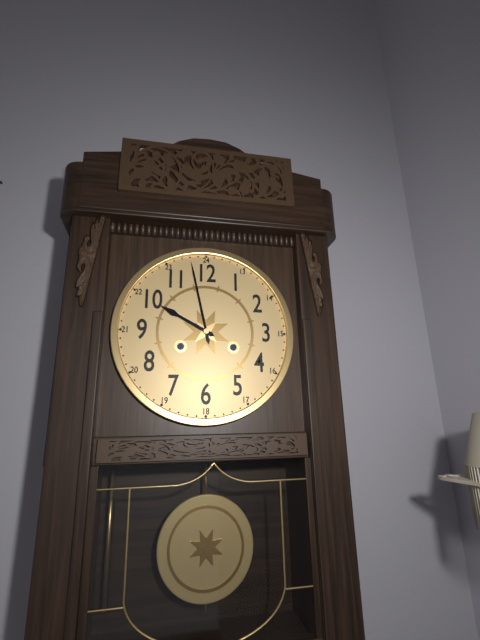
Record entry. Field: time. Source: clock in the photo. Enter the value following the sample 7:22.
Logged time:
9:58
